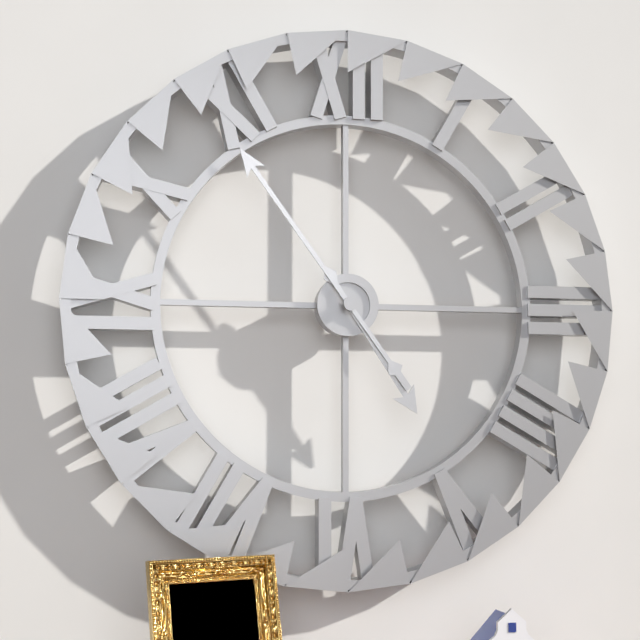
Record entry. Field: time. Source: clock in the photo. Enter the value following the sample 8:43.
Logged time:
4:54
